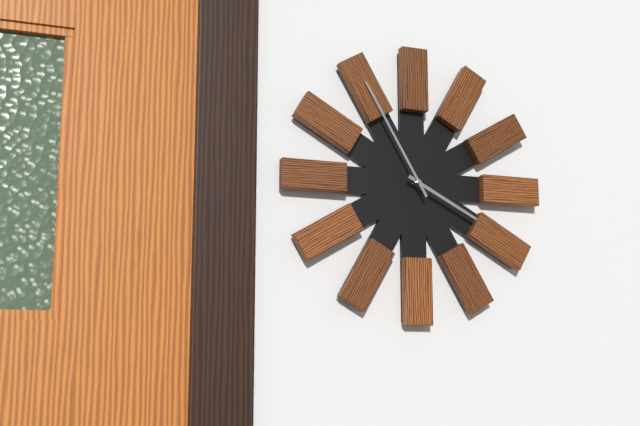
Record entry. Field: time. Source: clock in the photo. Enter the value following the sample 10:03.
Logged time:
3:55
